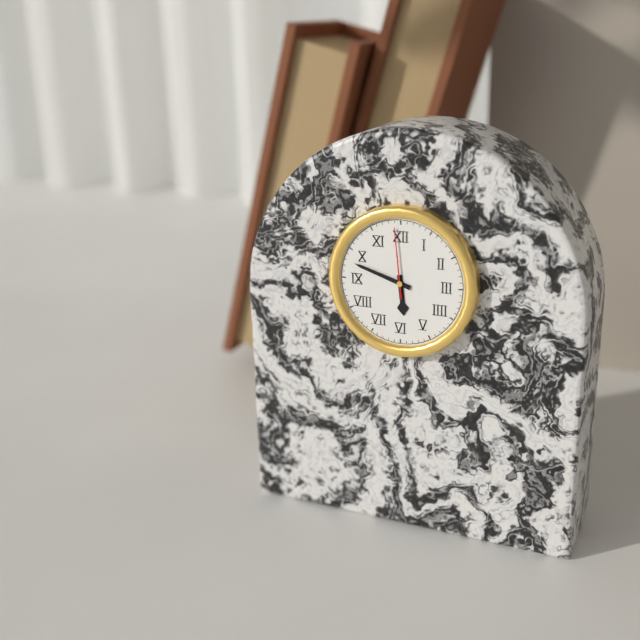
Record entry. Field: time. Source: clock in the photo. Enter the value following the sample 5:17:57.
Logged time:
5:48:59
